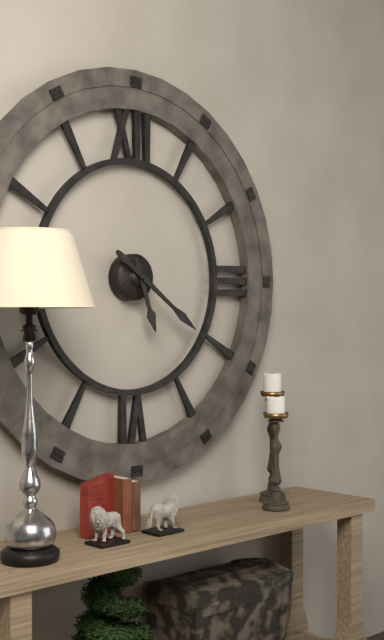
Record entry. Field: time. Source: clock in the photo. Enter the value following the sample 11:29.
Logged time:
5:21
